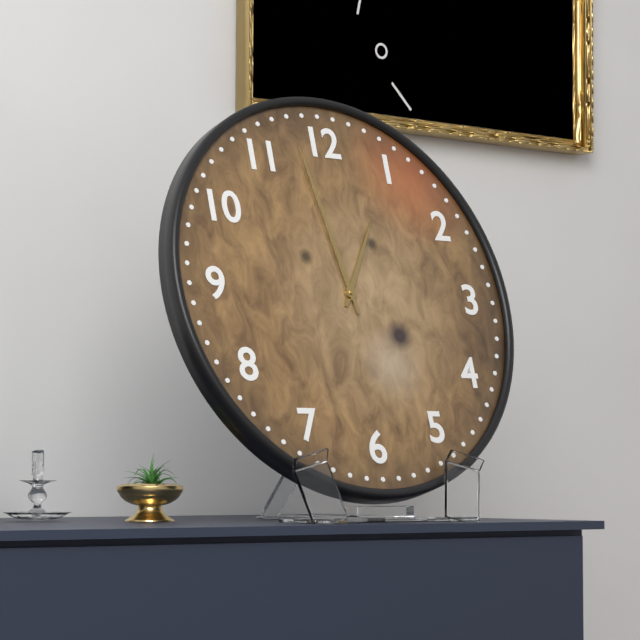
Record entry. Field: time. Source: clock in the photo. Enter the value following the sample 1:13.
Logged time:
12:58
